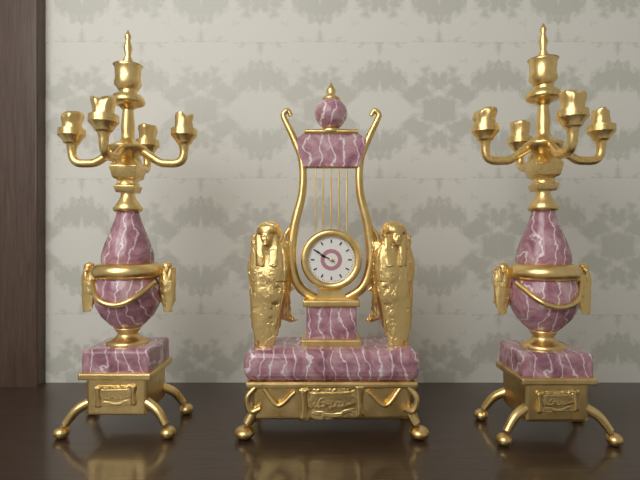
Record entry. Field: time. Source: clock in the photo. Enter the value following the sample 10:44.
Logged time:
9:50
